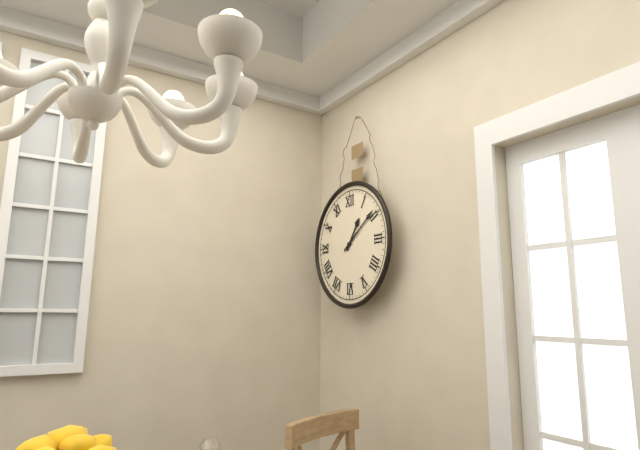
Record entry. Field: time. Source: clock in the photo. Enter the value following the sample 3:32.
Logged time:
1:09
